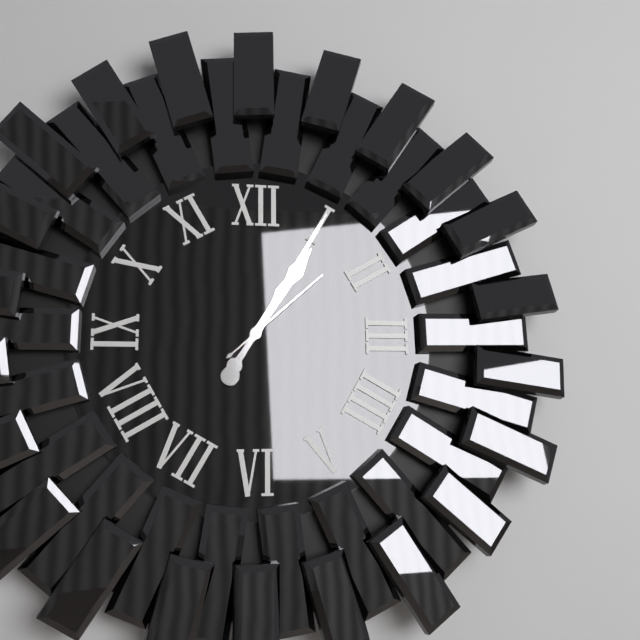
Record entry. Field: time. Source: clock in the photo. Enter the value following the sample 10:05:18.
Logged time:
1:05:08
